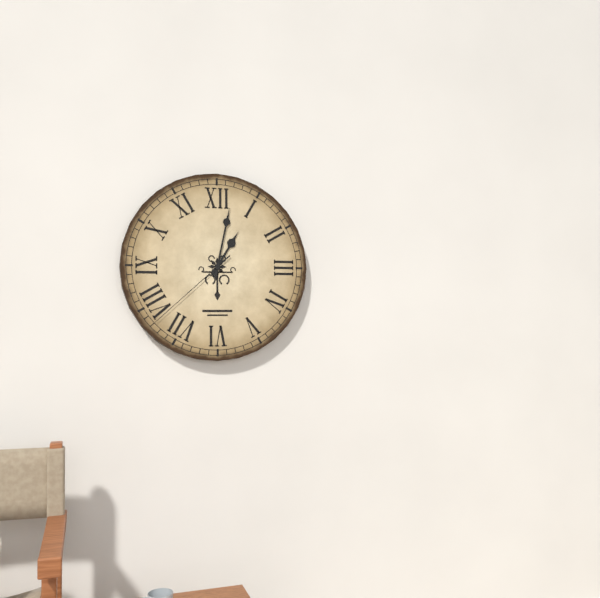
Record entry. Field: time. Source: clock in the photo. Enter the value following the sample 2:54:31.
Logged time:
1:02:38
